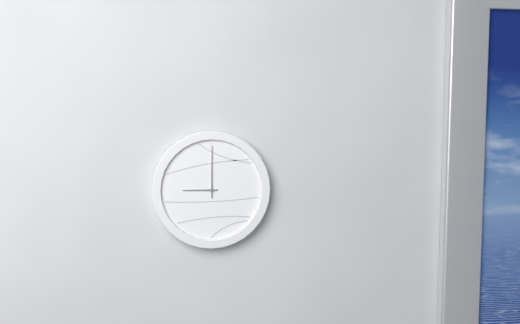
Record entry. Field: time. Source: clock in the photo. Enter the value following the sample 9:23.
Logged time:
9:00
